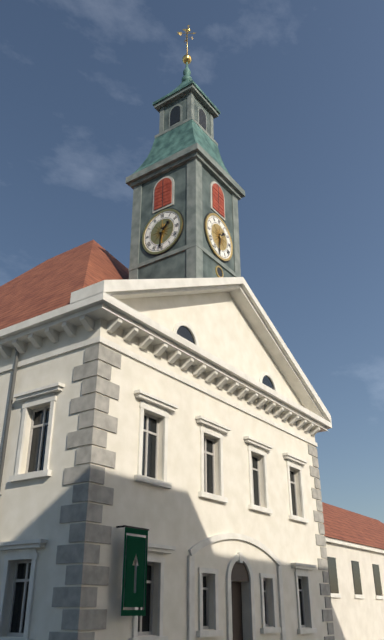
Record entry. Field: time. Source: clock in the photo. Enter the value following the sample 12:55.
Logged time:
1:31
